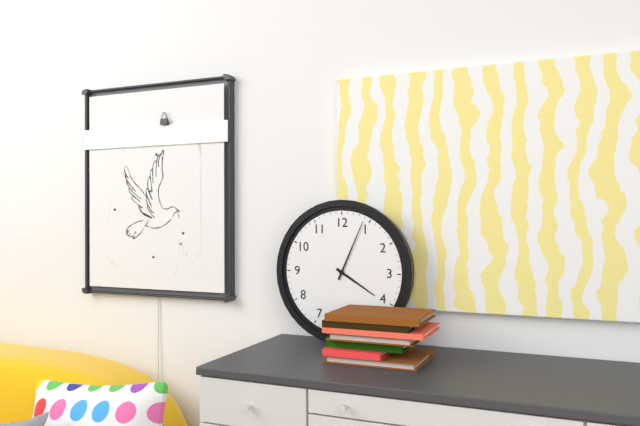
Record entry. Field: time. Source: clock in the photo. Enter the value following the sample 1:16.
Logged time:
4:04
